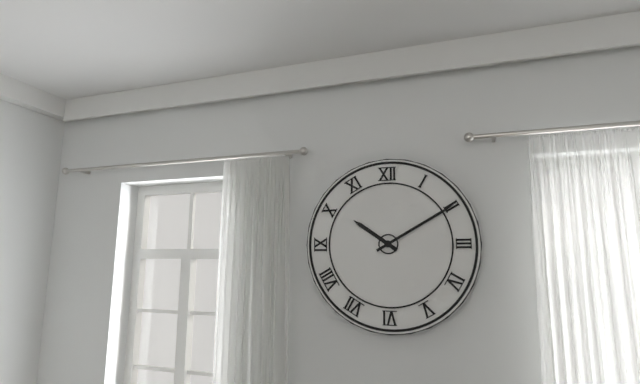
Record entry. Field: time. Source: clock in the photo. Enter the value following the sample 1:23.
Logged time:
10:10
